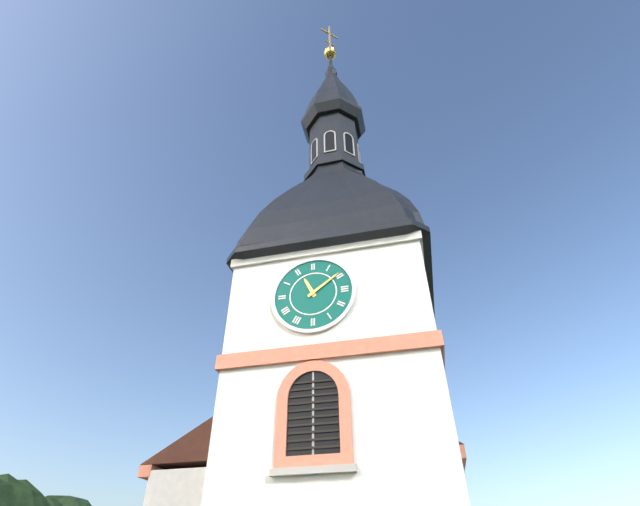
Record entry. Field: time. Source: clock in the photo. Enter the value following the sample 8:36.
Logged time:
11:09
